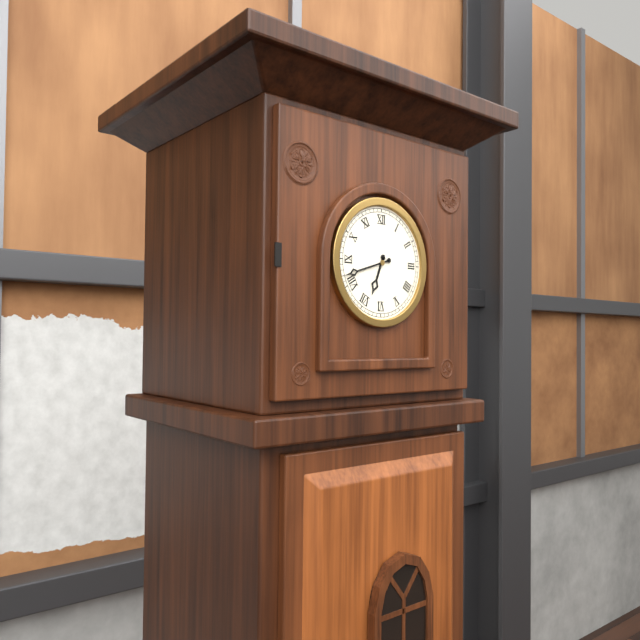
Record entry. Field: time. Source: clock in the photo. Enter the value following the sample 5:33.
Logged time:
6:42
